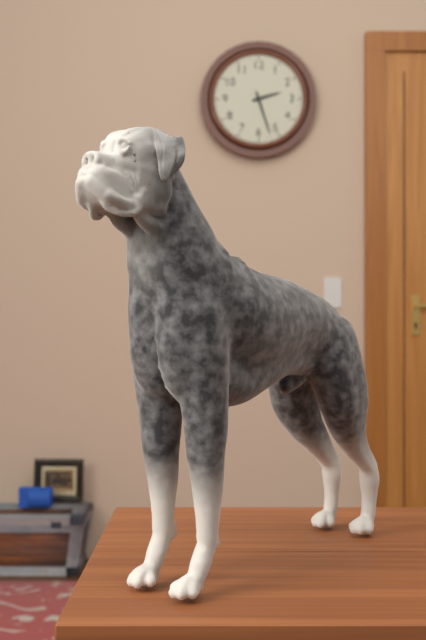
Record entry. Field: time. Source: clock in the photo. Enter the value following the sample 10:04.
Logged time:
2:27
